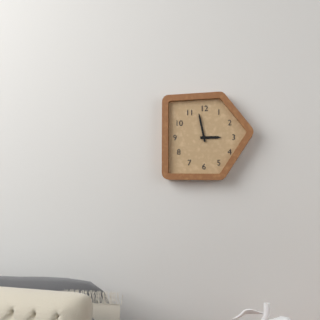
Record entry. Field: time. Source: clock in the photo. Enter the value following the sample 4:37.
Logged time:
2:58
